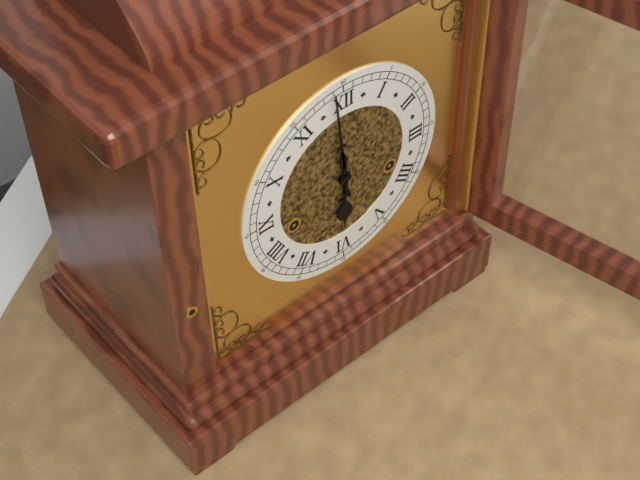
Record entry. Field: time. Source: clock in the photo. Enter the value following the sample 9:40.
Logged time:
5:59
